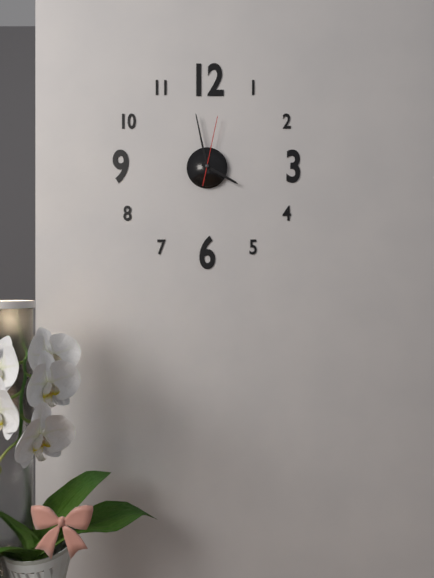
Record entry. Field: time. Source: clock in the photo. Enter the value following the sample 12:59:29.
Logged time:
3:58:02
